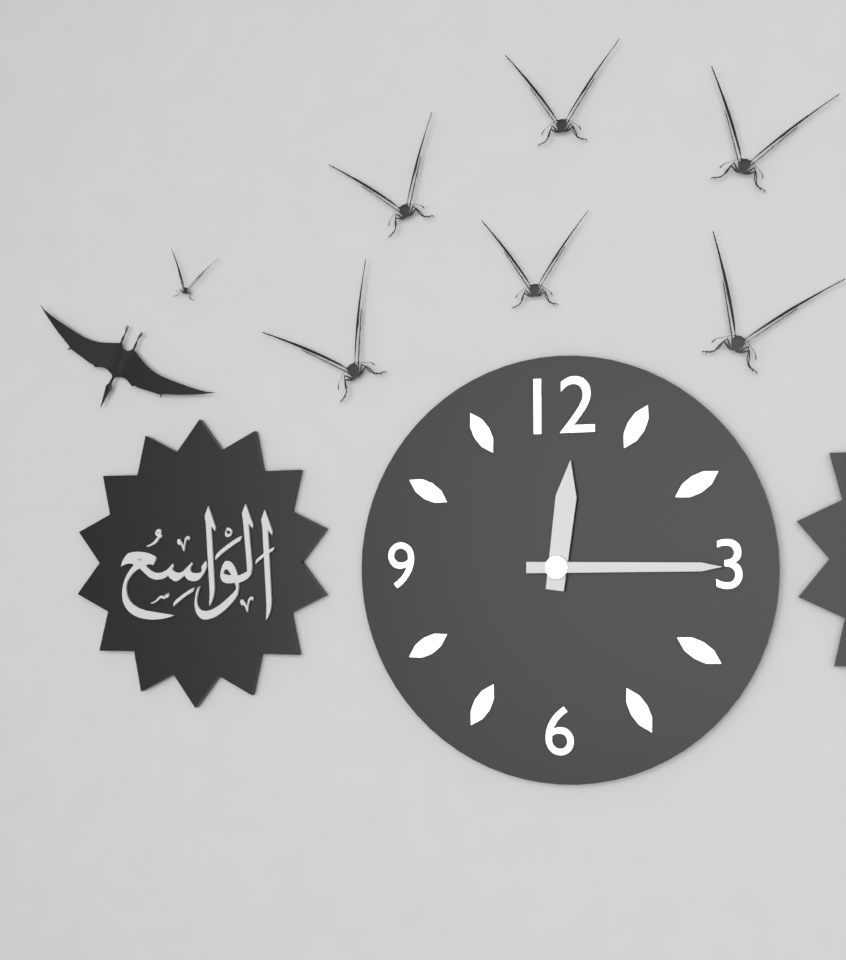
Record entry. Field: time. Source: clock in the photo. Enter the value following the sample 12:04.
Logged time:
12:15
